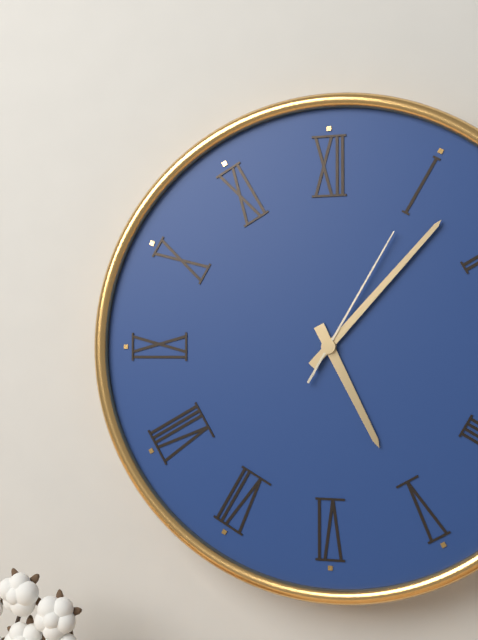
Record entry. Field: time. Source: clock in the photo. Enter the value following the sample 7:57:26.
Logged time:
5:07:05
